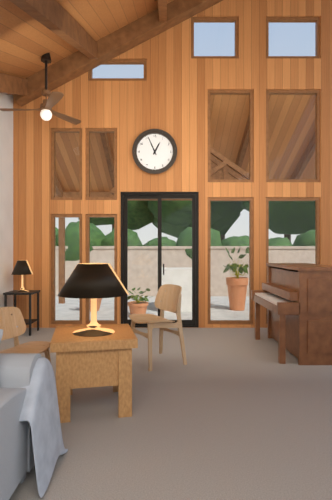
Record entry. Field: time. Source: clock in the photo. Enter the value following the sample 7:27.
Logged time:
12:56
